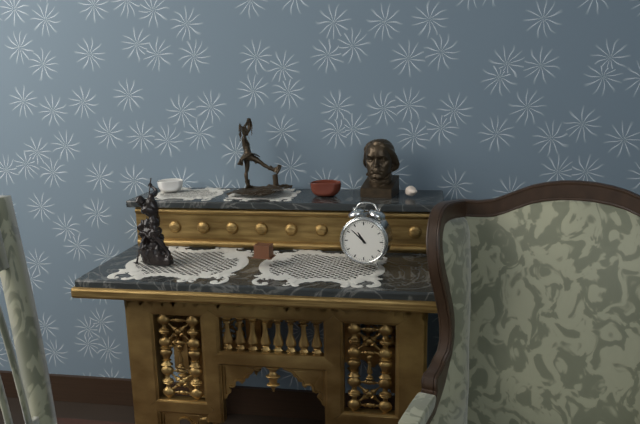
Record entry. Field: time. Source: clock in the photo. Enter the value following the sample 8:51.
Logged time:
10:52
